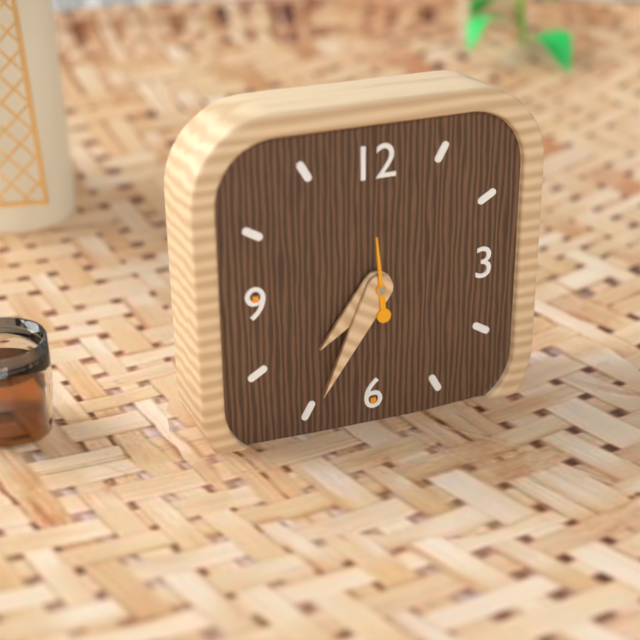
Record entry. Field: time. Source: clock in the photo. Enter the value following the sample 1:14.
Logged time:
7:35
